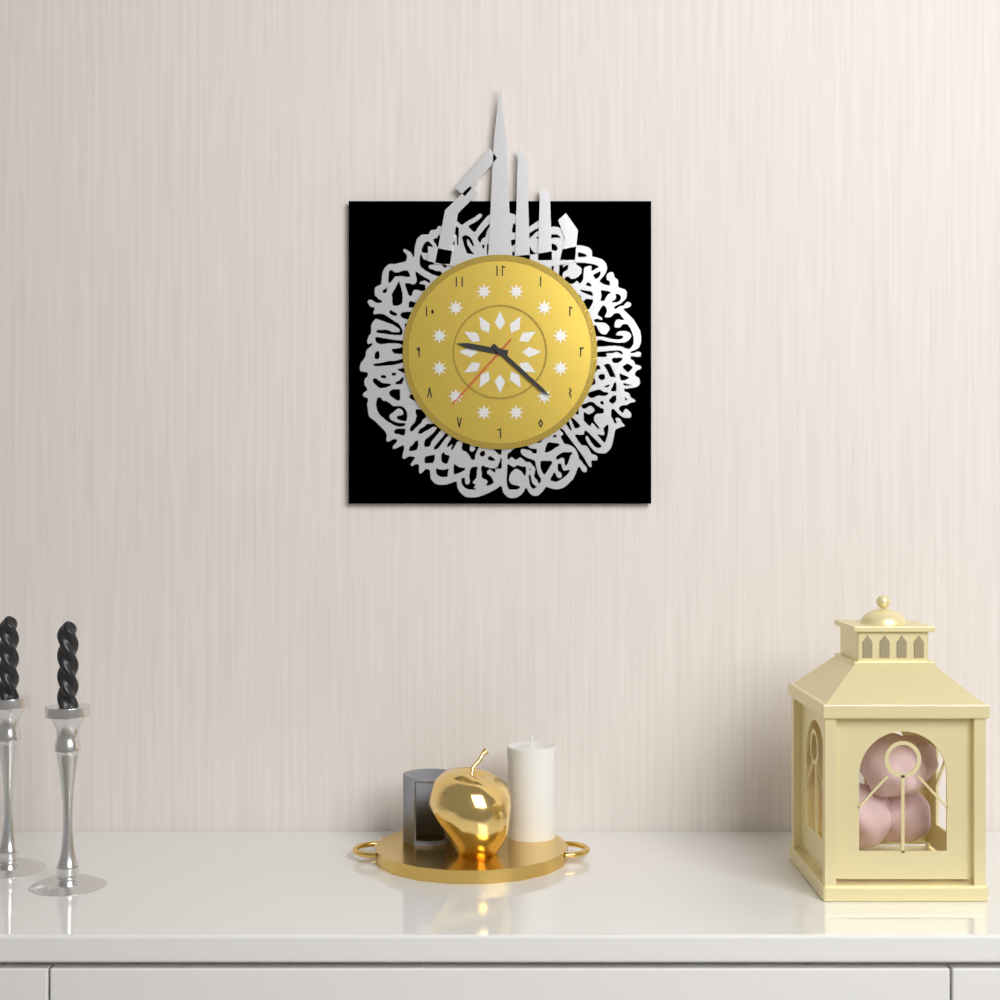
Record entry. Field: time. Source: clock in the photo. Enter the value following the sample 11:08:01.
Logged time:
9:22:37
